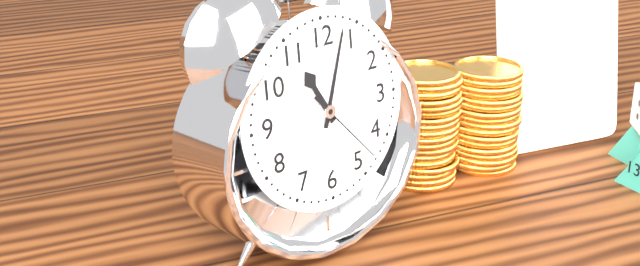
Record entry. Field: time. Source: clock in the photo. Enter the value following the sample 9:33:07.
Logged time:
11:03:23
